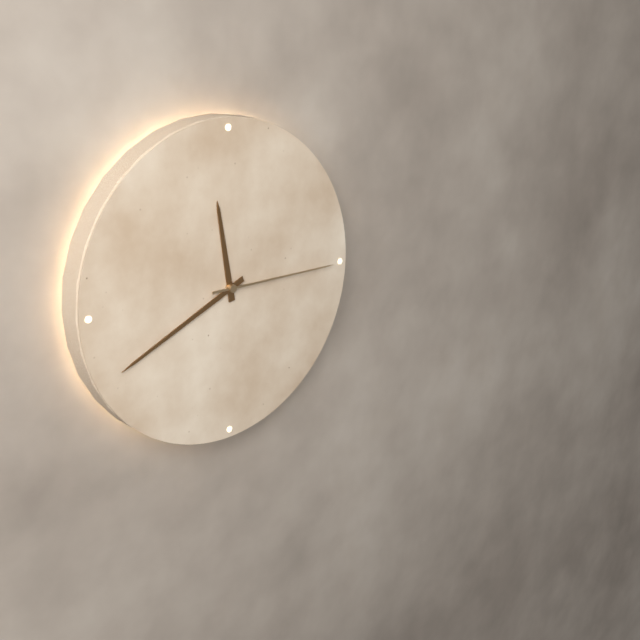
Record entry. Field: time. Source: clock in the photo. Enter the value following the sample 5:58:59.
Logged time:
11:41:15
